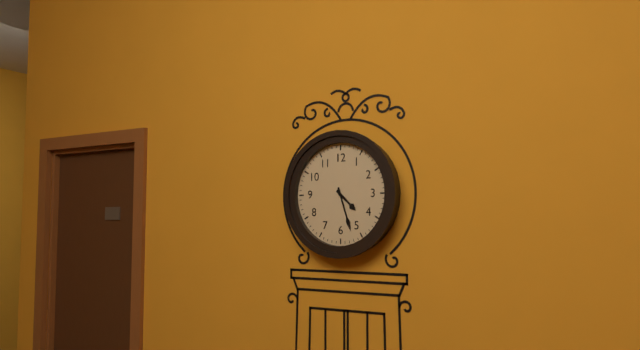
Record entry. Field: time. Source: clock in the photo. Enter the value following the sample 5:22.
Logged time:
4:27
